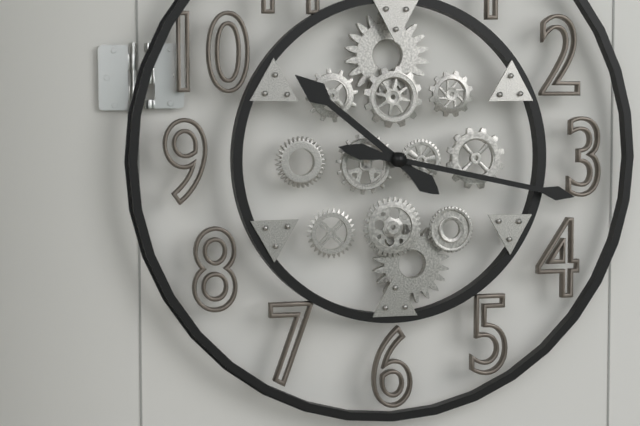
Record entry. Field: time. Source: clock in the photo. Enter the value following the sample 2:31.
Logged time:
10:17
